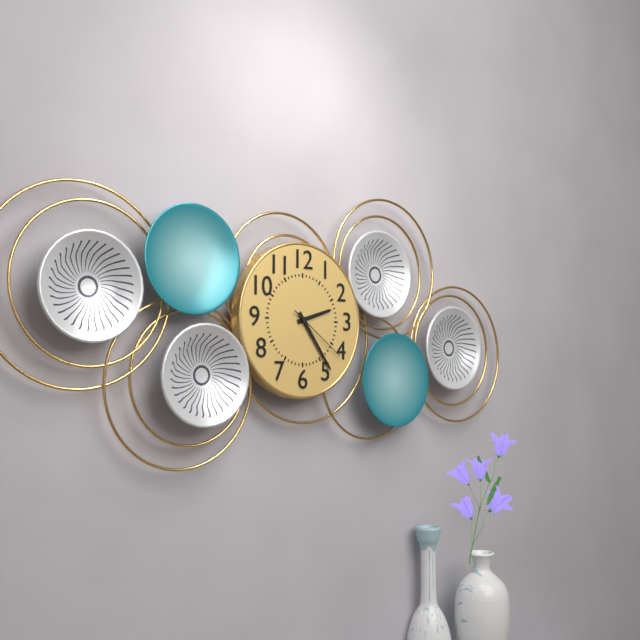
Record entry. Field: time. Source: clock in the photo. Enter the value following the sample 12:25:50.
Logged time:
2:24:21
